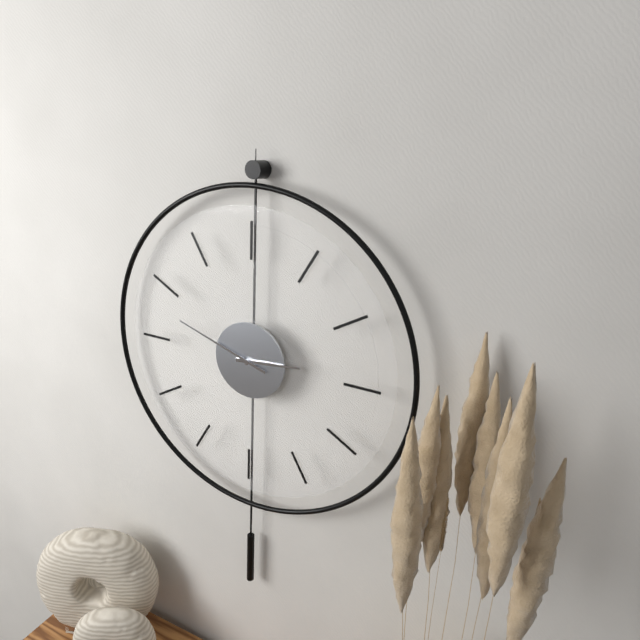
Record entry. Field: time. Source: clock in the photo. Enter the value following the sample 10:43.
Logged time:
2:48
